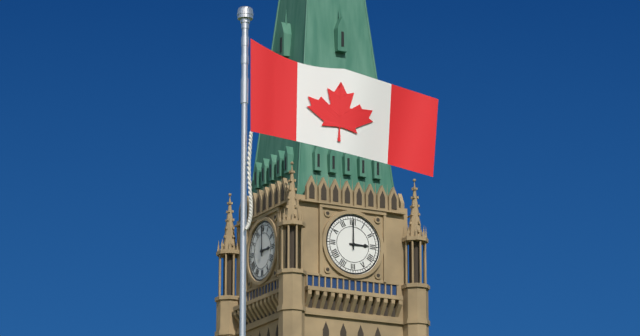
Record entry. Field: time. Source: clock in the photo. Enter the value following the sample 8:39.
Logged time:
3:00
